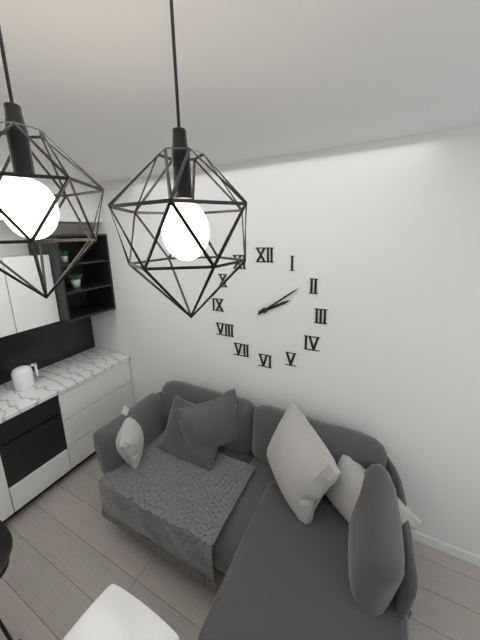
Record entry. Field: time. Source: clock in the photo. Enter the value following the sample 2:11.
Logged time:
2:09
